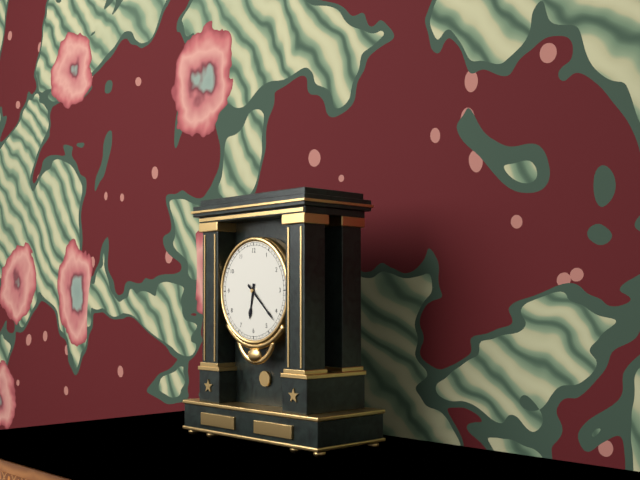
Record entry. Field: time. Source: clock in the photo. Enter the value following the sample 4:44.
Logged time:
6:22
